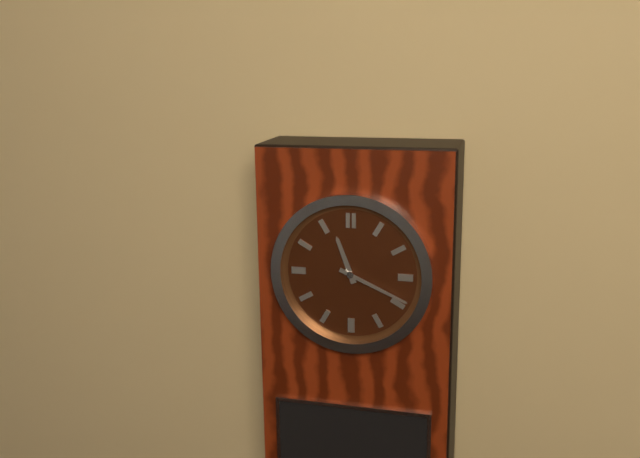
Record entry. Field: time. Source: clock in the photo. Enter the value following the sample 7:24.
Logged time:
11:19
